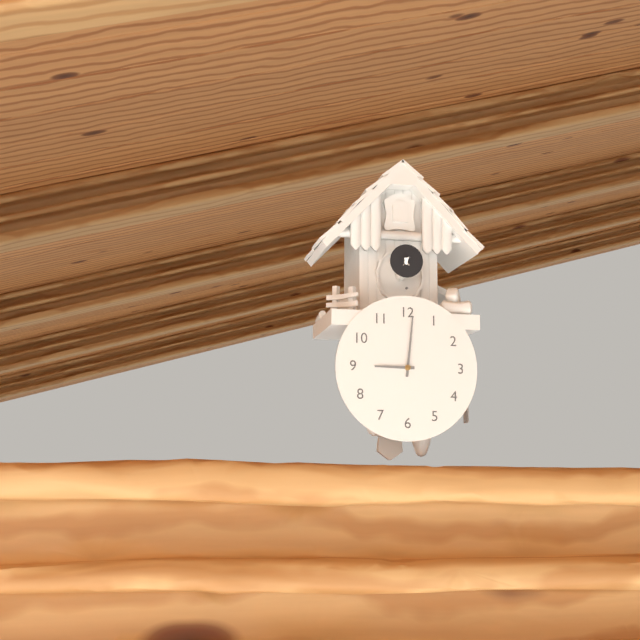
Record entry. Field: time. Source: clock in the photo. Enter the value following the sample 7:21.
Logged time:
9:01
